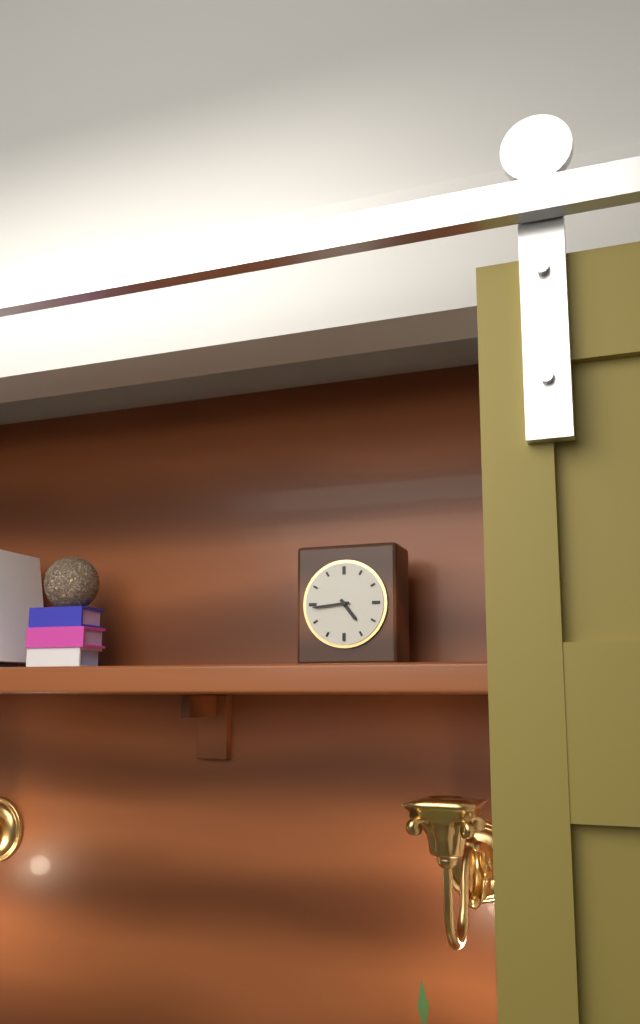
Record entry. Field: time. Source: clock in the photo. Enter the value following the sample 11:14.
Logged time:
4:44
